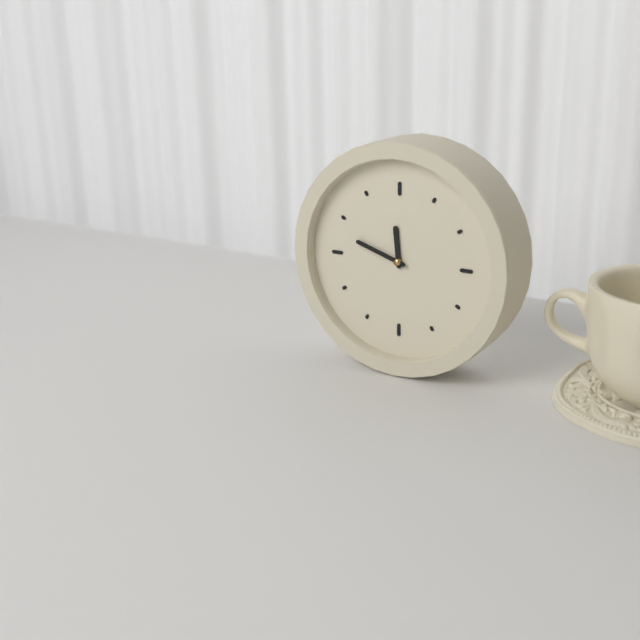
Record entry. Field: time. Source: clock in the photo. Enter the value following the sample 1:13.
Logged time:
11:48
